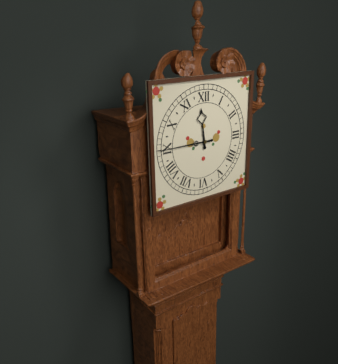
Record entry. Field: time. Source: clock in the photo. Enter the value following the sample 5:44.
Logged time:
11:45
